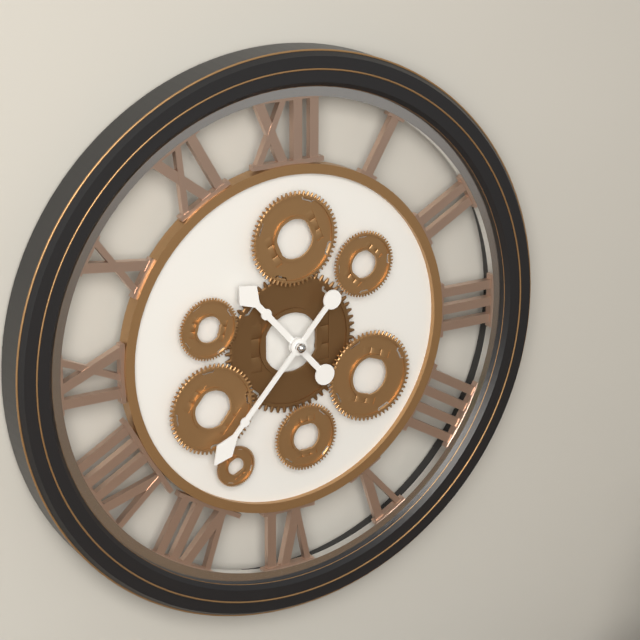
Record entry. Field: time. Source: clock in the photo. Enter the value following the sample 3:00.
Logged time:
10:37
